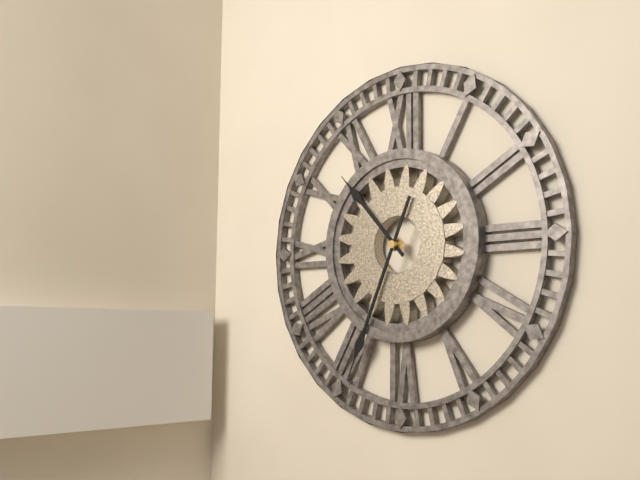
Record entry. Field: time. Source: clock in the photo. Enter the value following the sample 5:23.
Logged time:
10:34
